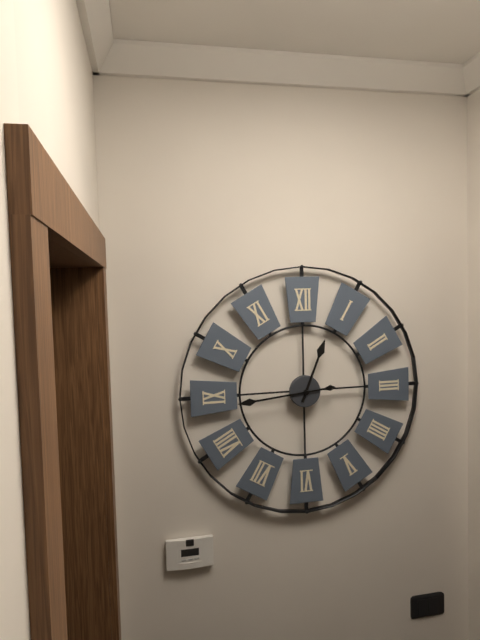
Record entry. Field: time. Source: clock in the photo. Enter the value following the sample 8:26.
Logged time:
12:44
